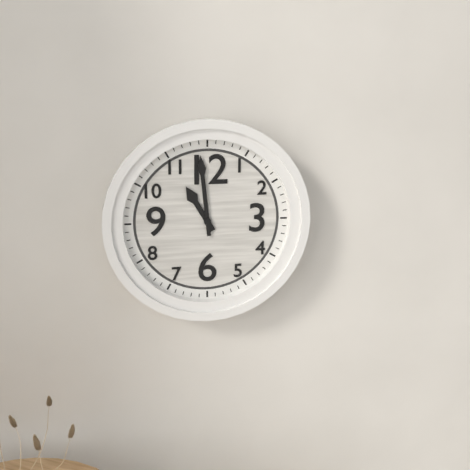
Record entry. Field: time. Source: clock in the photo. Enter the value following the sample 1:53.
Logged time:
10:59
